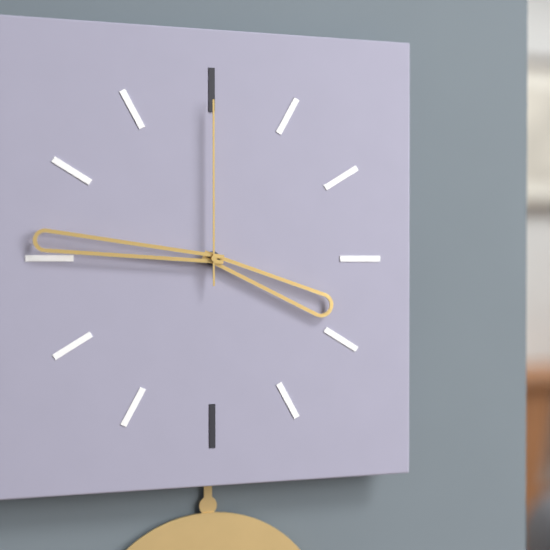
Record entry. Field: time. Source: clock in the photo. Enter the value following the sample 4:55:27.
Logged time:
3:46:00
